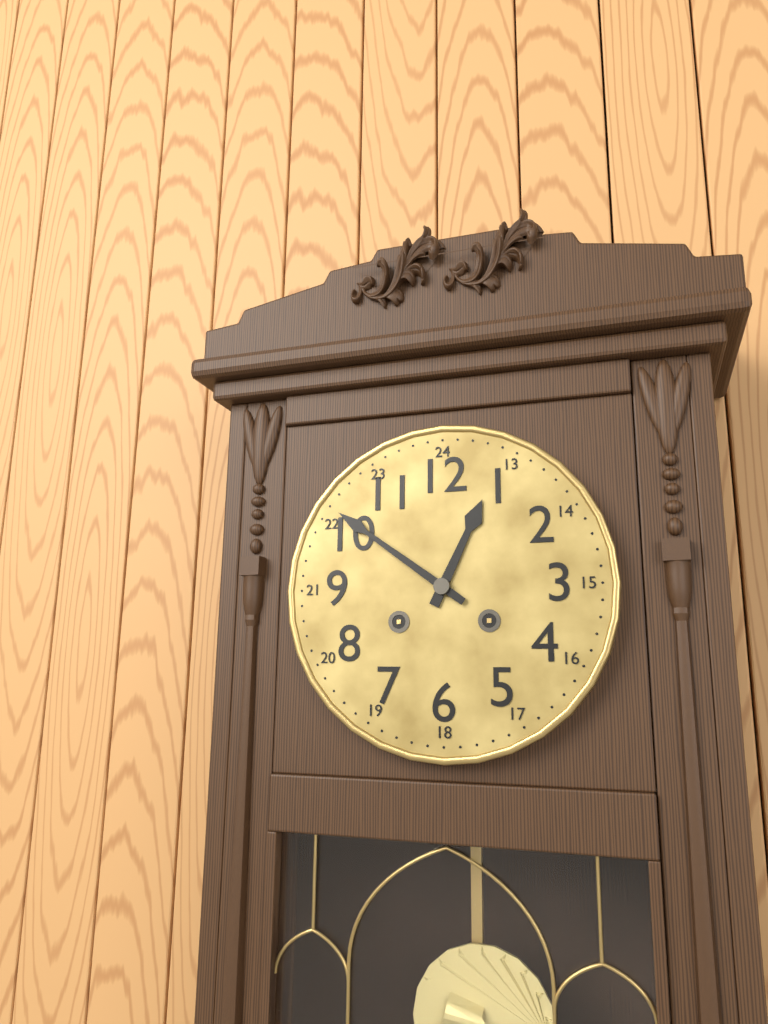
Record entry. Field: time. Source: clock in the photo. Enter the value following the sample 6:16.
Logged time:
12:51
